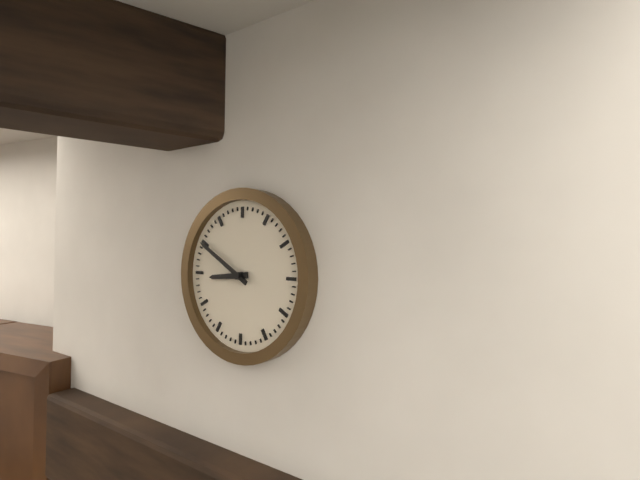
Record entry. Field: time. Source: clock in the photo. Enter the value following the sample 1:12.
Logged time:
8:50
